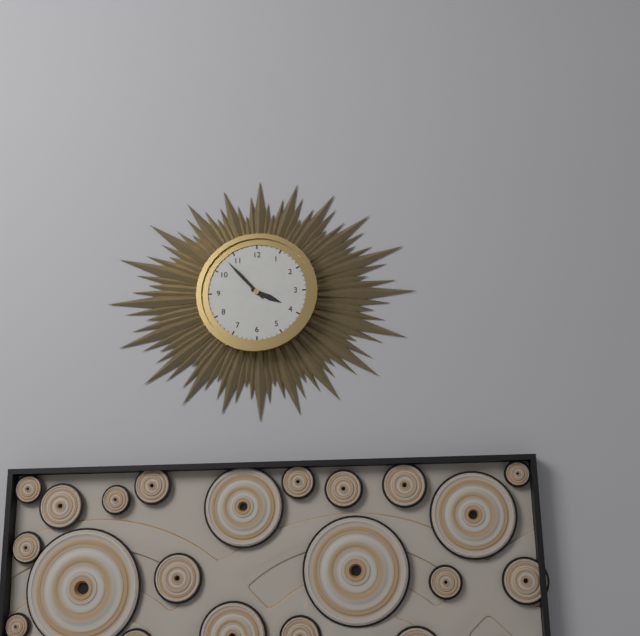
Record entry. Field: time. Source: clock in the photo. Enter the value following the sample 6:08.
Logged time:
3:53
